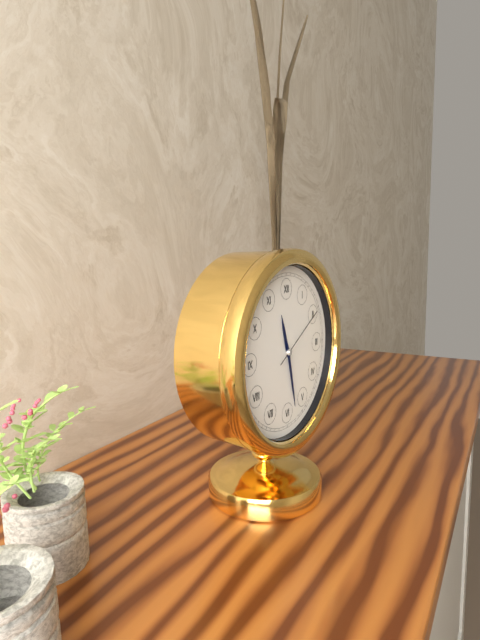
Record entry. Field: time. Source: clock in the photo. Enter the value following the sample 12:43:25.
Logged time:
11:28:10
